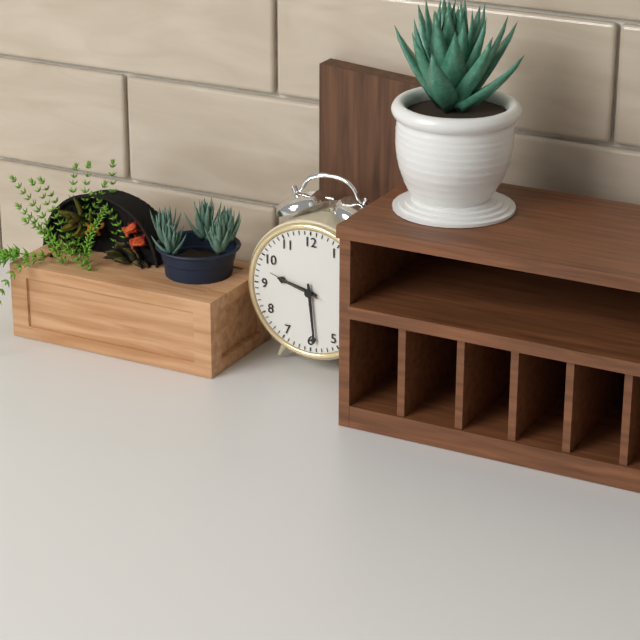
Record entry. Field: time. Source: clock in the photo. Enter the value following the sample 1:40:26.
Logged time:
9:29:48
